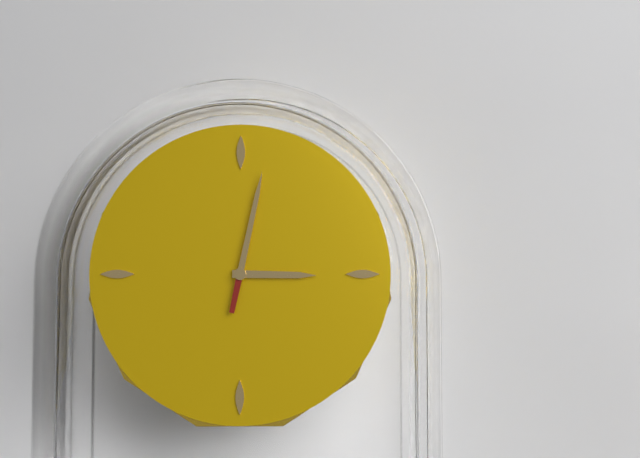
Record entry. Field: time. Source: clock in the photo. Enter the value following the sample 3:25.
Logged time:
3:02
